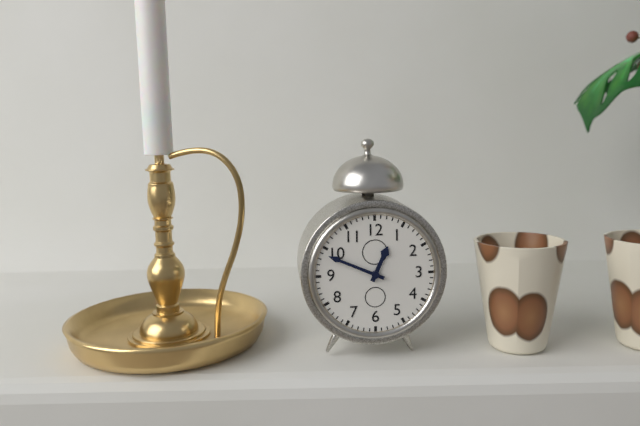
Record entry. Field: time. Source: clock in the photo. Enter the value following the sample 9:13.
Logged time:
12:49
